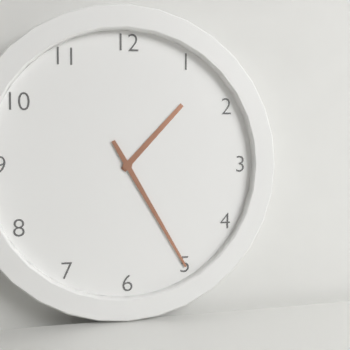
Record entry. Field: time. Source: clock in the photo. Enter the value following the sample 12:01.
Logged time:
1:25
